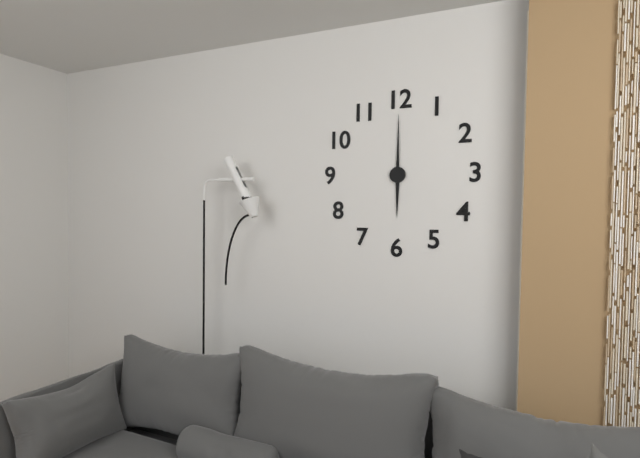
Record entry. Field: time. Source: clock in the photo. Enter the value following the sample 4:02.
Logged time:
6:00
